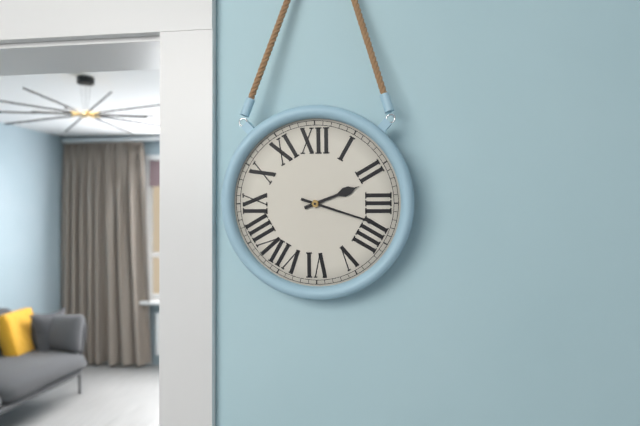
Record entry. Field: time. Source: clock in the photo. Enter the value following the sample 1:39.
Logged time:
2:18
